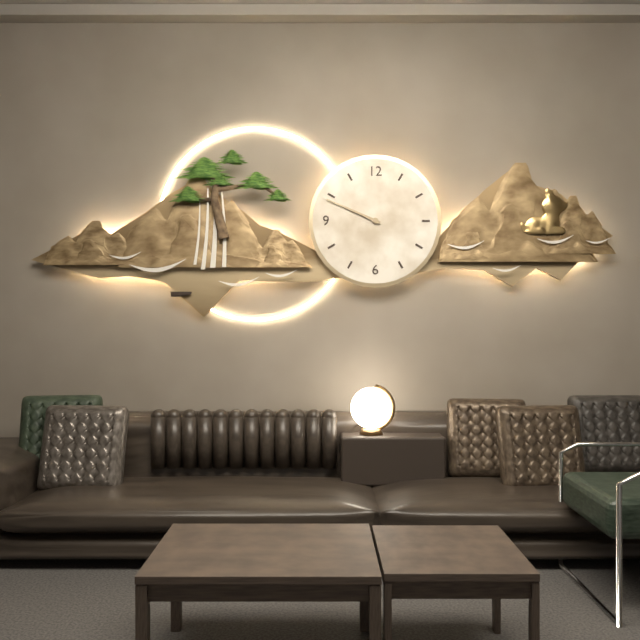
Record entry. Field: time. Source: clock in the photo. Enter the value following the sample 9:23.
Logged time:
9:49
